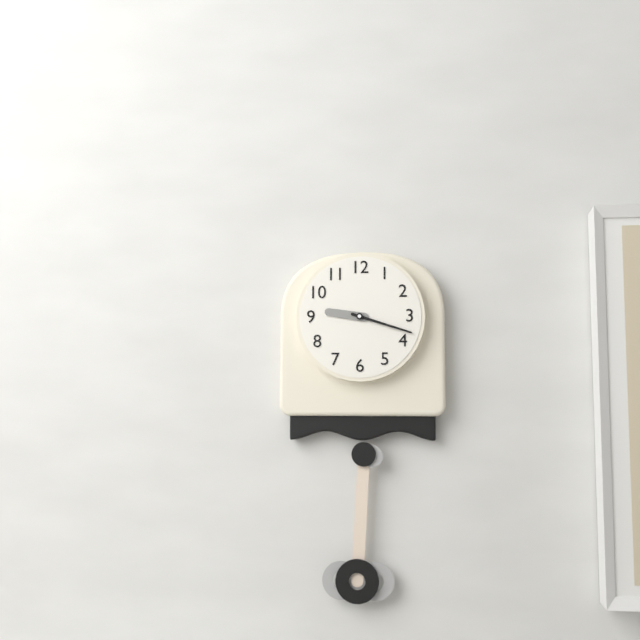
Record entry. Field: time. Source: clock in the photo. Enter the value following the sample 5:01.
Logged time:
9:18
